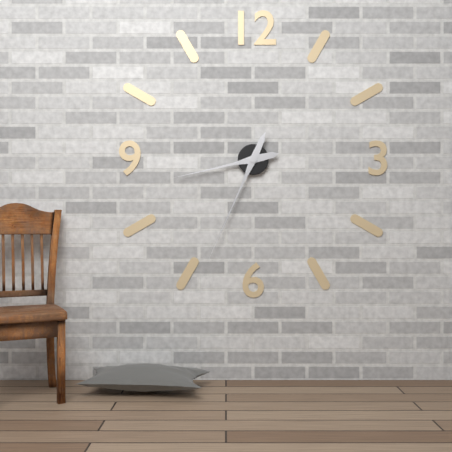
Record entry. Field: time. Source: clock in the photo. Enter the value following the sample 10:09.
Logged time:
8:34
